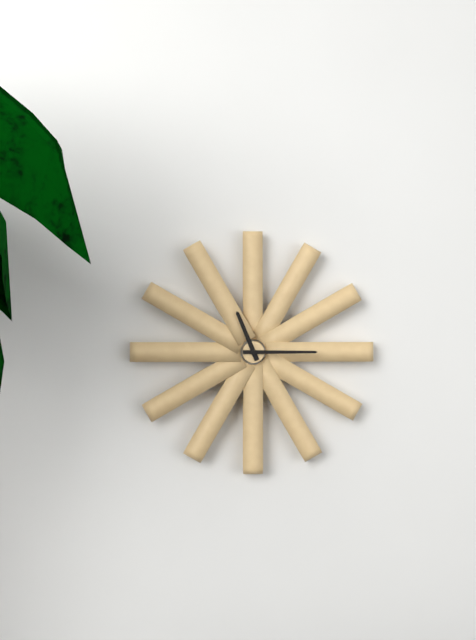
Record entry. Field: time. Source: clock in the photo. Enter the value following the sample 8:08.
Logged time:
11:15
